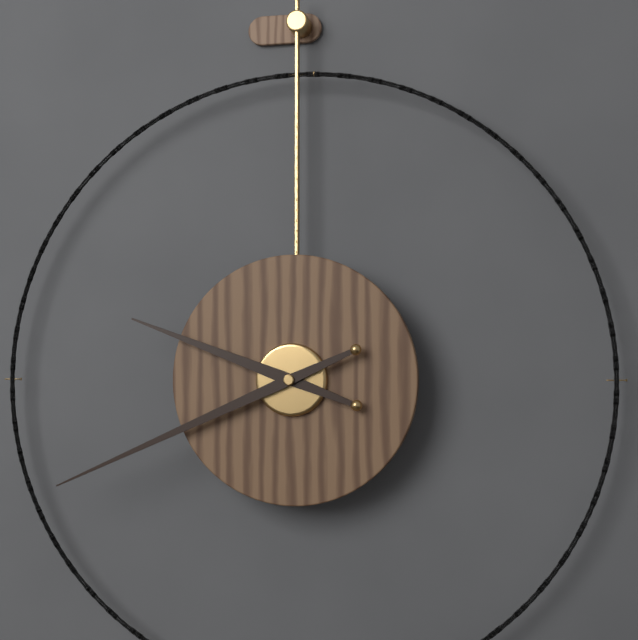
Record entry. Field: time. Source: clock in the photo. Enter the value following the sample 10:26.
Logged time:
9:41
